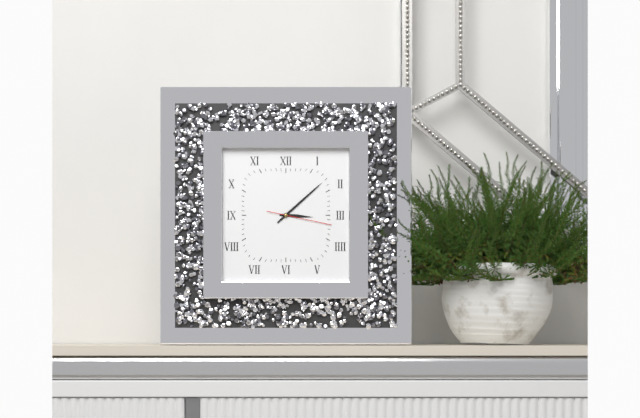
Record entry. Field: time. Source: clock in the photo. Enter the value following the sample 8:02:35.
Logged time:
3:08:17
